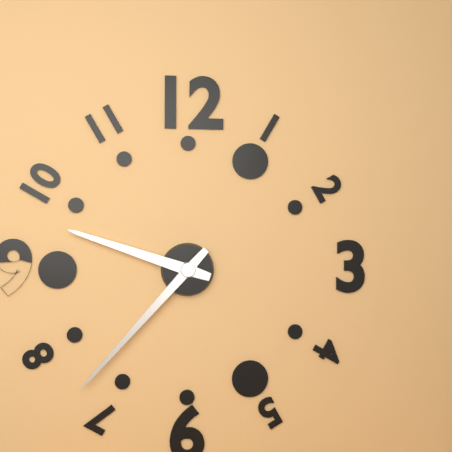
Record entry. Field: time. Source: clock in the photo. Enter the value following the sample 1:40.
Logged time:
9:37
